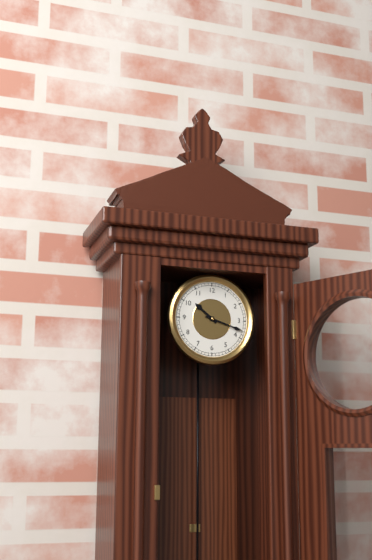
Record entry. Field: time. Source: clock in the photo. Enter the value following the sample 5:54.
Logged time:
10:18
